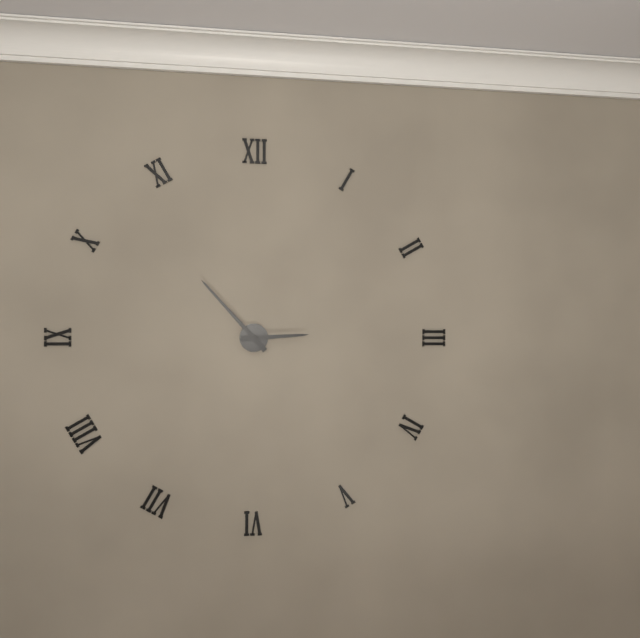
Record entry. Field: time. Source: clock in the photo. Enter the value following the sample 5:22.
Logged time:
2:53
